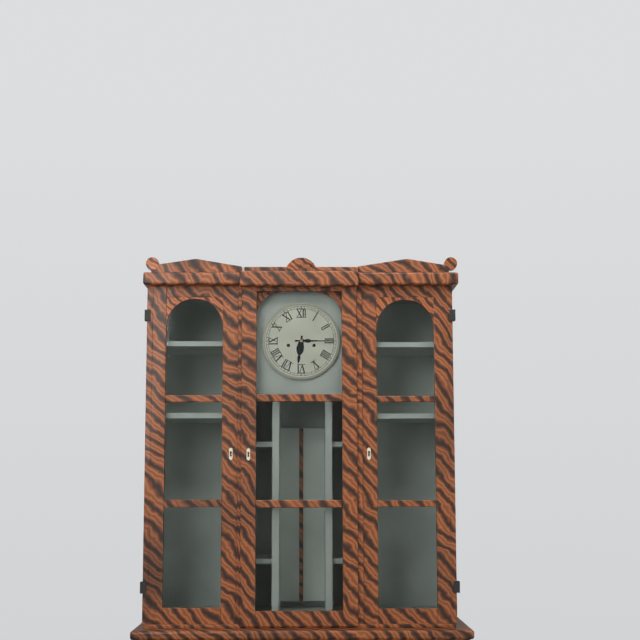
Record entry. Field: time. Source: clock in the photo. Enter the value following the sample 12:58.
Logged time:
6:15
